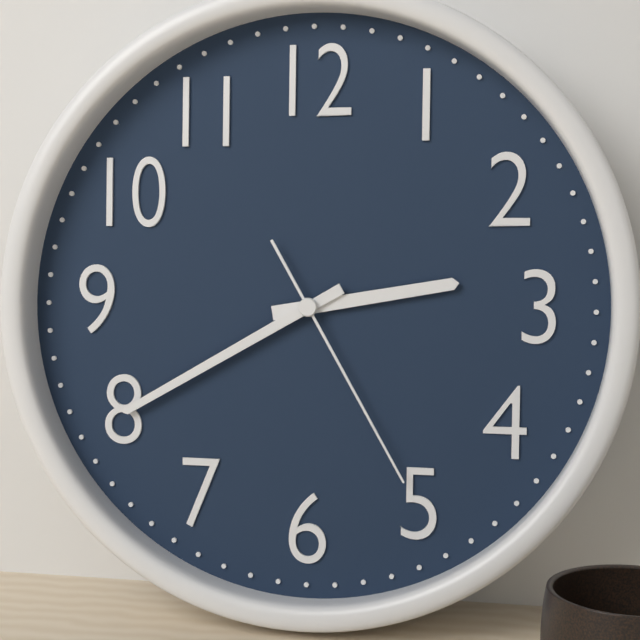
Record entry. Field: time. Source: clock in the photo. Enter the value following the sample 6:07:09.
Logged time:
2:40:25
